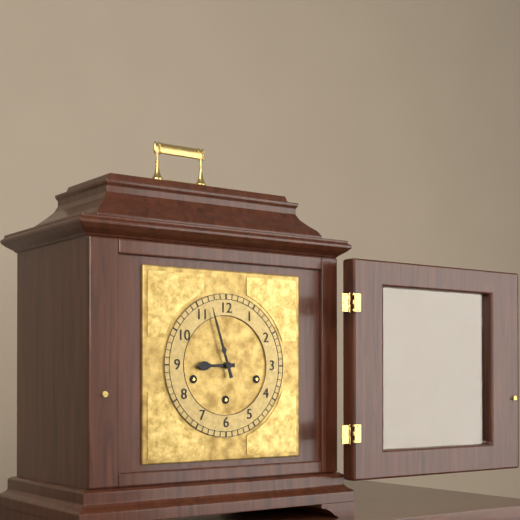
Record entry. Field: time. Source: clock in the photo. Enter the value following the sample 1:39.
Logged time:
8:57
